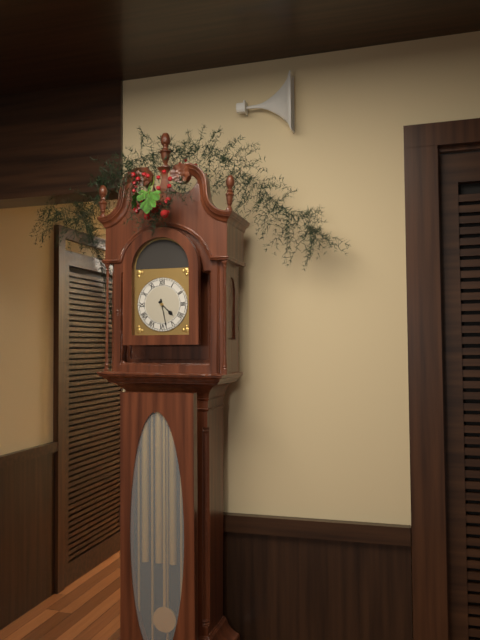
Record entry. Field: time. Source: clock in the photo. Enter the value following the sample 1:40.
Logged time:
4:28
